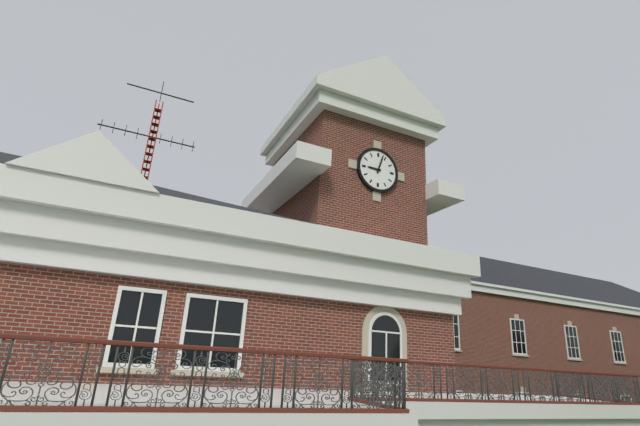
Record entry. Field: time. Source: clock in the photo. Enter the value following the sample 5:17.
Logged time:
9:03
